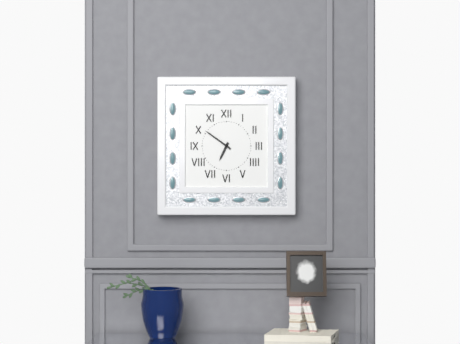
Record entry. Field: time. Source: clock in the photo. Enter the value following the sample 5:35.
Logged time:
6:51
